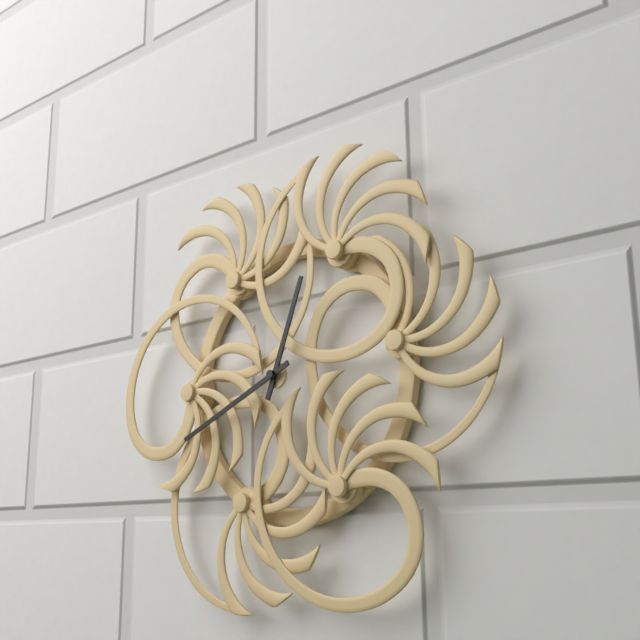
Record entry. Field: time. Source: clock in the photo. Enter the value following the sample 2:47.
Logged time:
12:41
